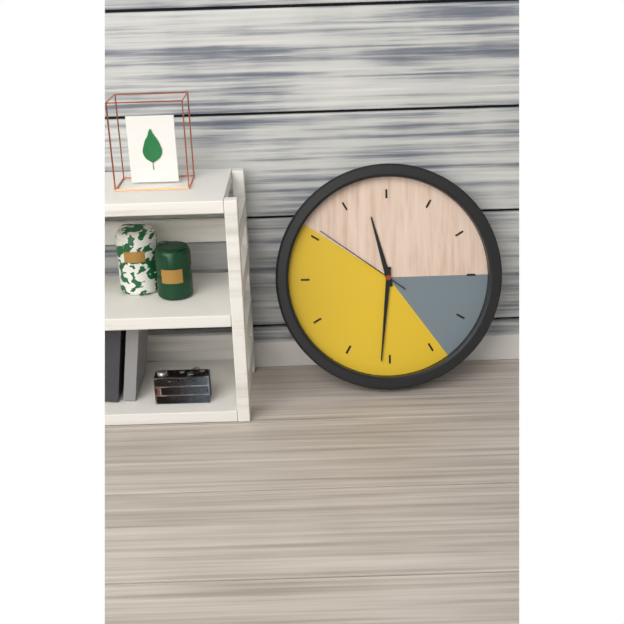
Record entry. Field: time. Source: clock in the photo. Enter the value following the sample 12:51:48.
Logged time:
11:31:51
